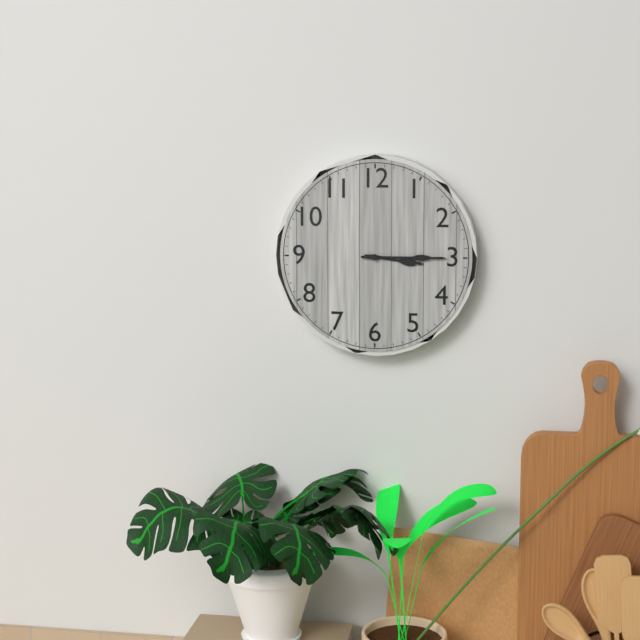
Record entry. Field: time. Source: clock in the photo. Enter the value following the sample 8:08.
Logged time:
3:15
